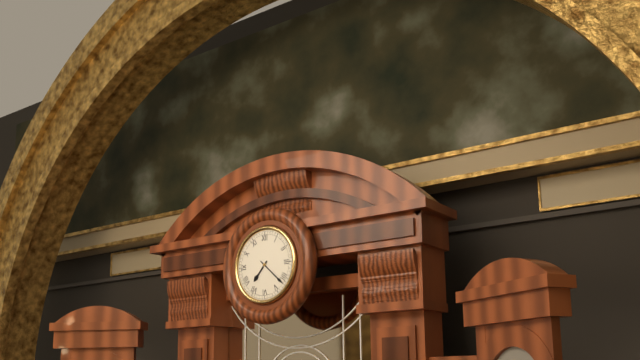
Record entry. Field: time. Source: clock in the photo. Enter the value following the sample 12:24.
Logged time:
7:22
